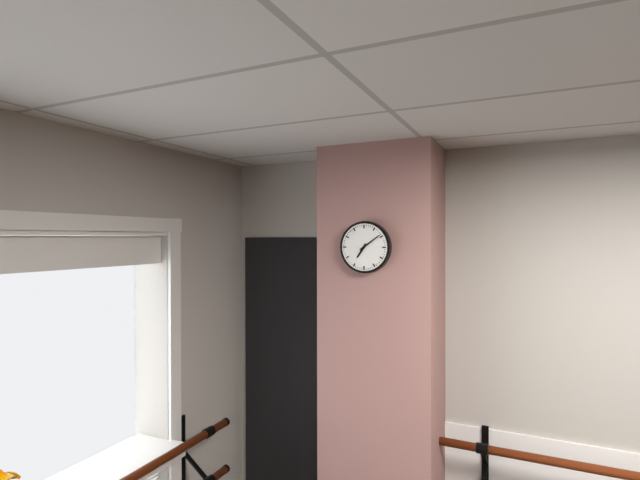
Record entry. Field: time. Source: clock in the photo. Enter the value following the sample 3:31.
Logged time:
7:09
